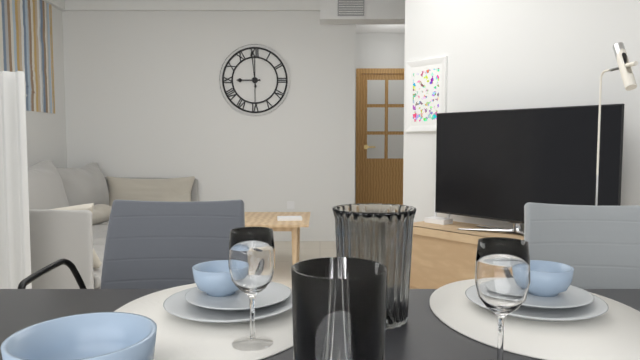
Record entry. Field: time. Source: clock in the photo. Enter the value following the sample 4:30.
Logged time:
8:59
